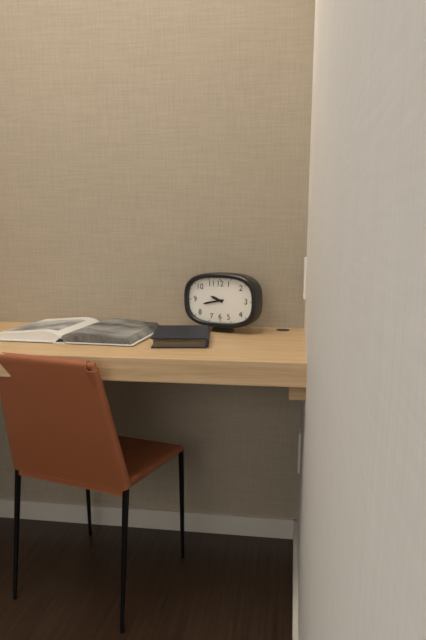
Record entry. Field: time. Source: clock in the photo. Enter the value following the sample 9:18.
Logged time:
9:43
